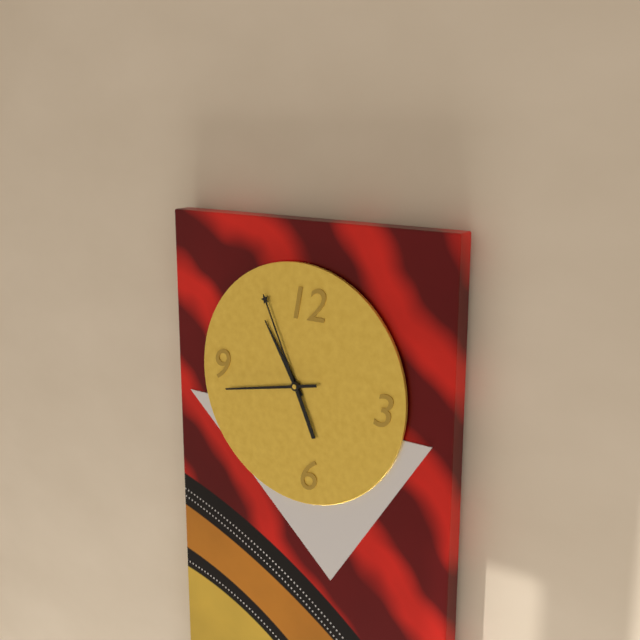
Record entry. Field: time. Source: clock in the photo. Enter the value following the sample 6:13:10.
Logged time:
10:56:43
